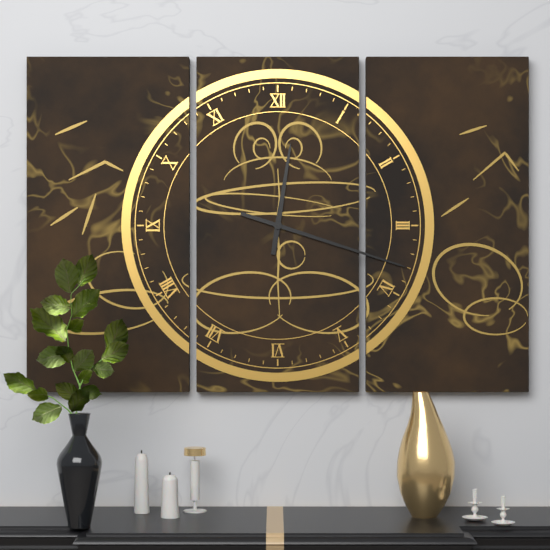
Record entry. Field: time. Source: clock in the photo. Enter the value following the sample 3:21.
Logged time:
12:18
